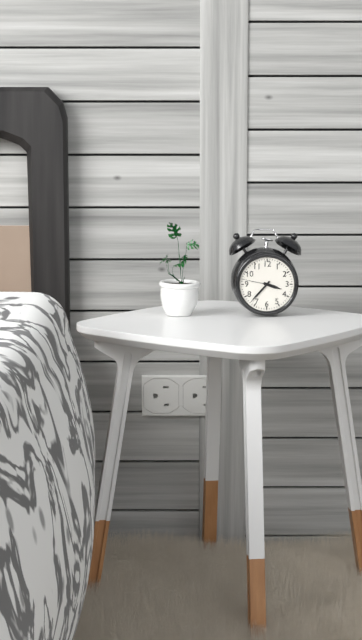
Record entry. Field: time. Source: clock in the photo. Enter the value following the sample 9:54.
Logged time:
3:37
